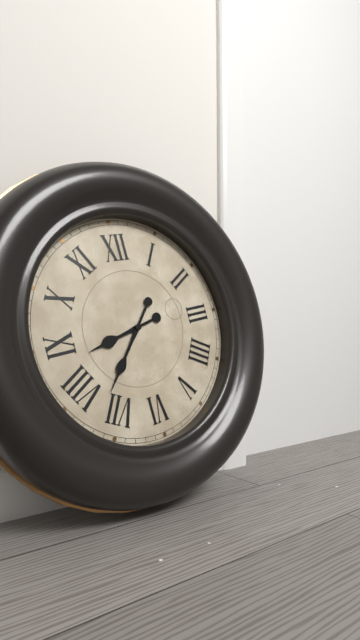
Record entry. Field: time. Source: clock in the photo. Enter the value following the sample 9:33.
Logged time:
8:37
